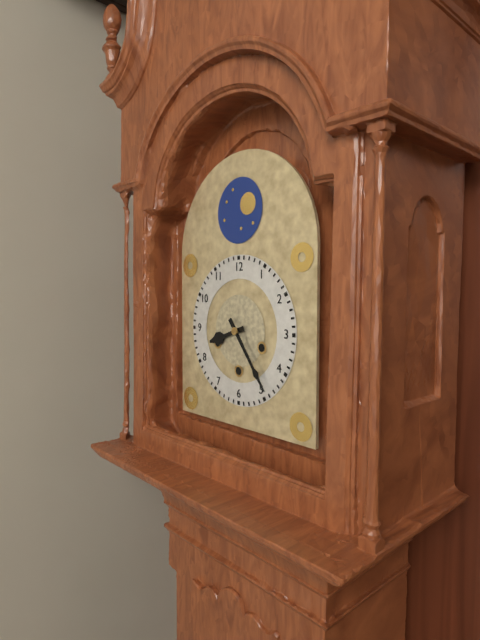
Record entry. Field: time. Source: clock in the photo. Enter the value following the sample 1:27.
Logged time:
8:24
